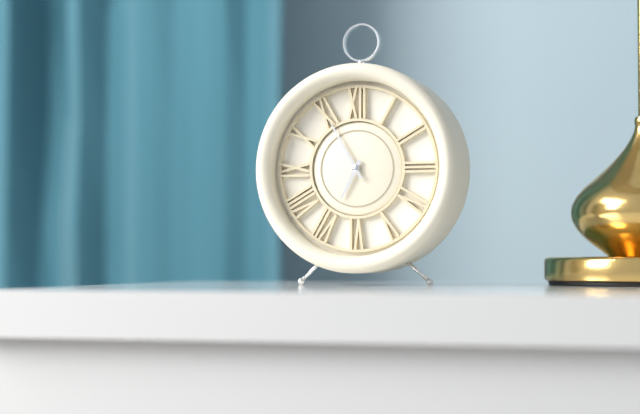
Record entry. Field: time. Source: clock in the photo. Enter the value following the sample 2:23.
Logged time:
6:55
